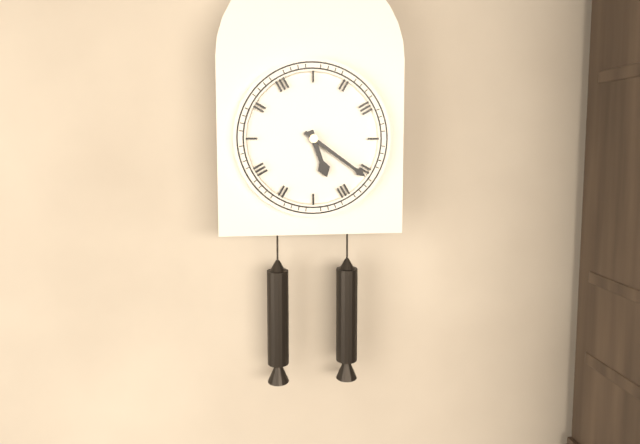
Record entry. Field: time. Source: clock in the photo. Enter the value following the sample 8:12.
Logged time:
5:21
